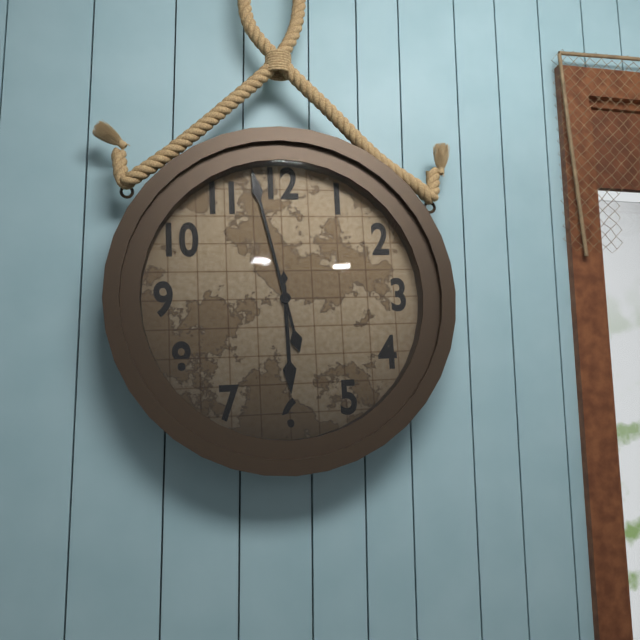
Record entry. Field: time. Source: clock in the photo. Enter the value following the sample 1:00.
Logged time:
5:58
